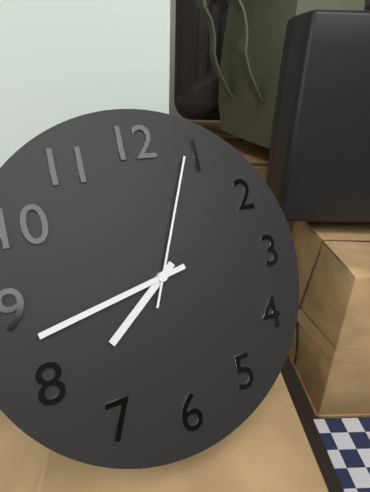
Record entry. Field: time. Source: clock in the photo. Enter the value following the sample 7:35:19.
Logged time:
7:43:04
